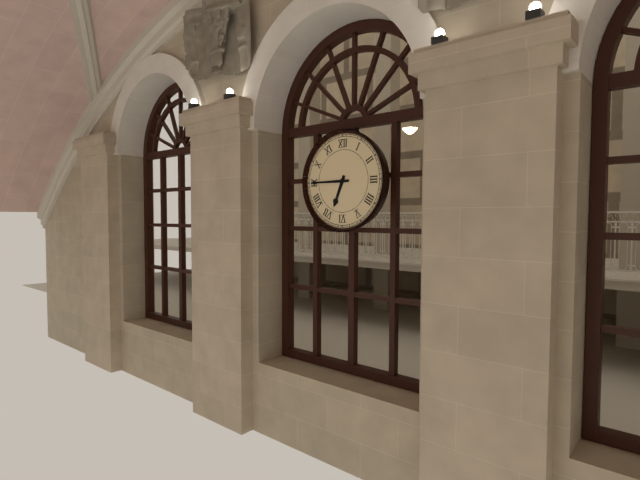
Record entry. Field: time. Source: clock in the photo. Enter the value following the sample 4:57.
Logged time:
6:45
